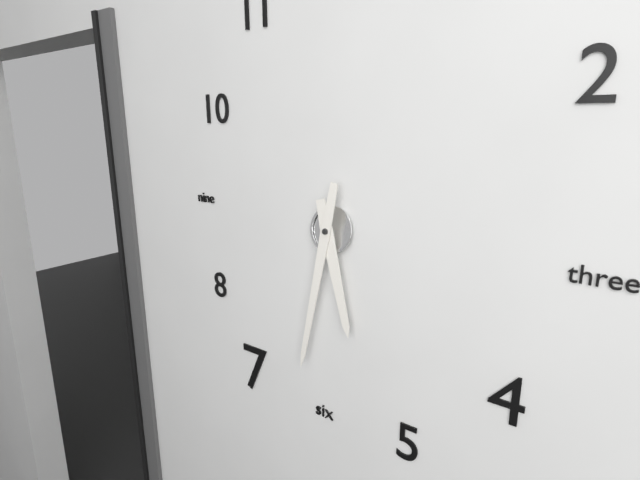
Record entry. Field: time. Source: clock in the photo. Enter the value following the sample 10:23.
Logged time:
5:32
